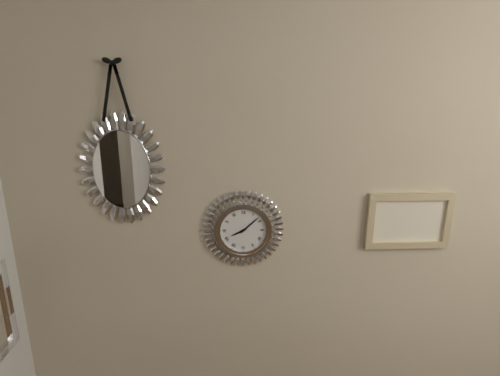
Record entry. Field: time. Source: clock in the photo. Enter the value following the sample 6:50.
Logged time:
8:08
